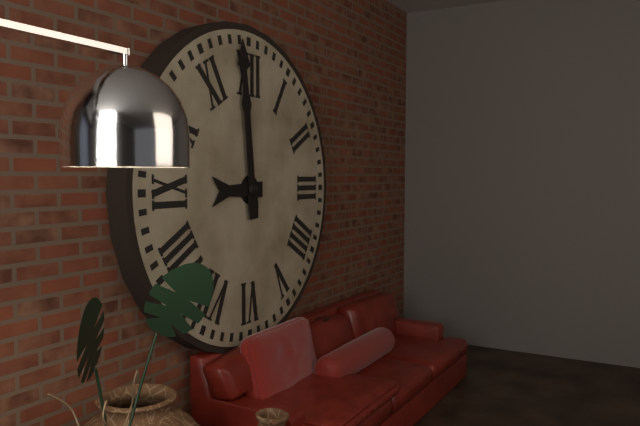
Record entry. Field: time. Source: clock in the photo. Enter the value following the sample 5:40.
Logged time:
8:59
